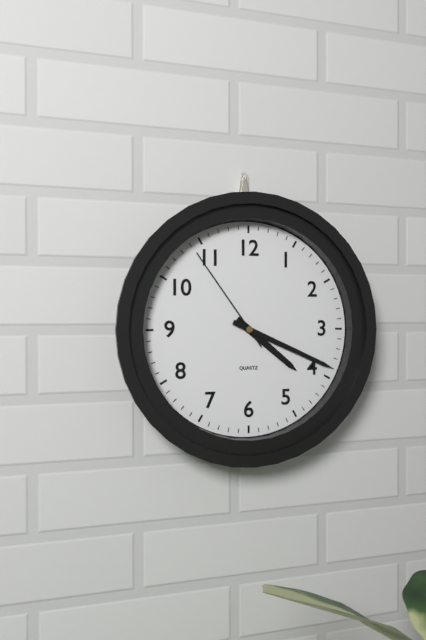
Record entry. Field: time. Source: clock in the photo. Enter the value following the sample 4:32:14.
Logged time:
4:19:54
